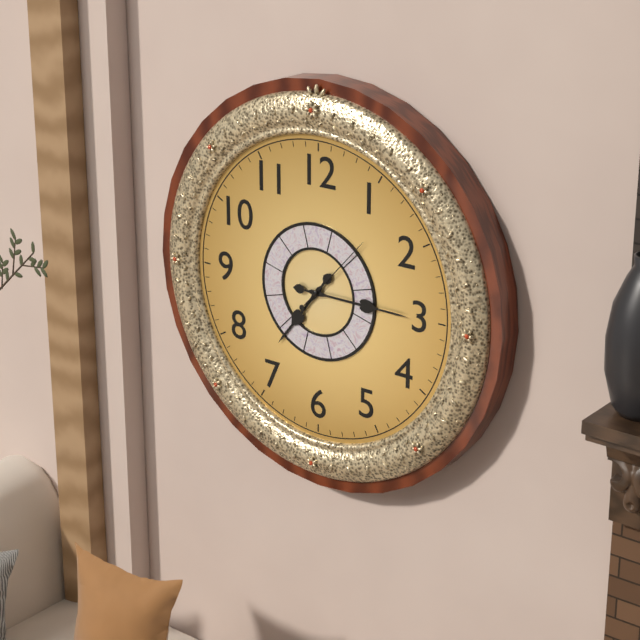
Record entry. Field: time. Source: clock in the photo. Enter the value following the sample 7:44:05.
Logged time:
7:15:07
